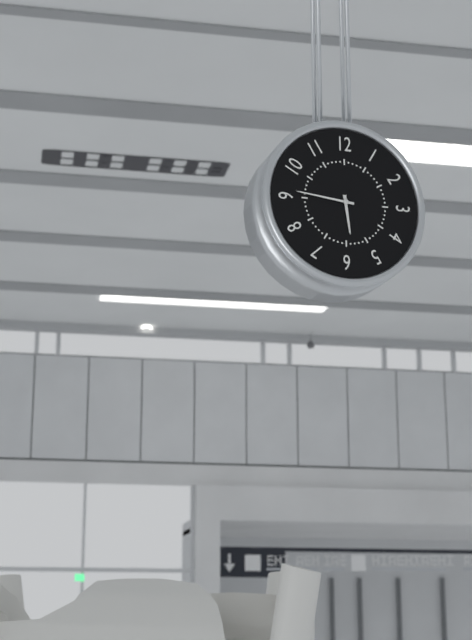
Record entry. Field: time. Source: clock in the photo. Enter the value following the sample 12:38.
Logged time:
5:46
